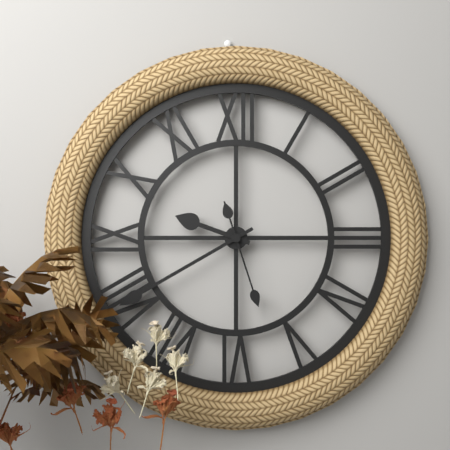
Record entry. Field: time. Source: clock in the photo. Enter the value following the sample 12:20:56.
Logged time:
9:40:27
